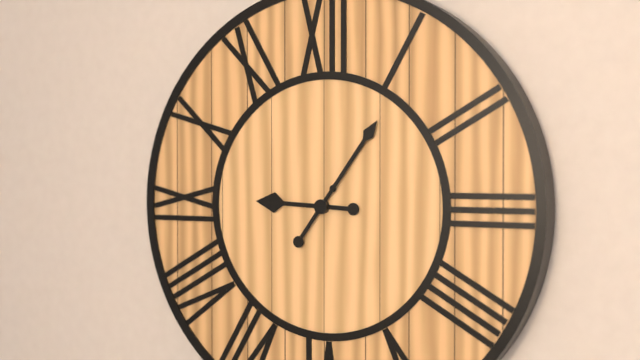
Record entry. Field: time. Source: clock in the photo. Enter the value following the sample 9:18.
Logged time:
9:06
